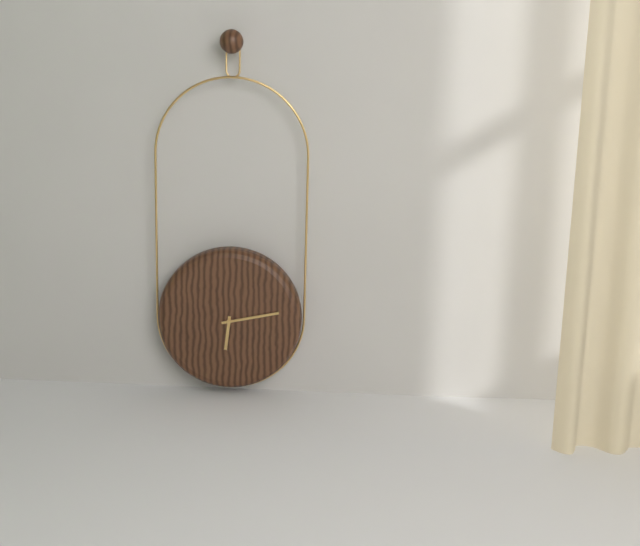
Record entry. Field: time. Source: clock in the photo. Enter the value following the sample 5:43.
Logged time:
6:13
